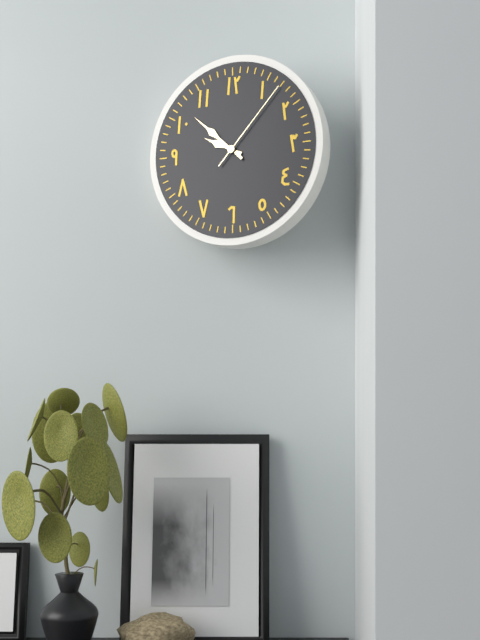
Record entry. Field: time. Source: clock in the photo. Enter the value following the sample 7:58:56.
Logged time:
9:52:07
